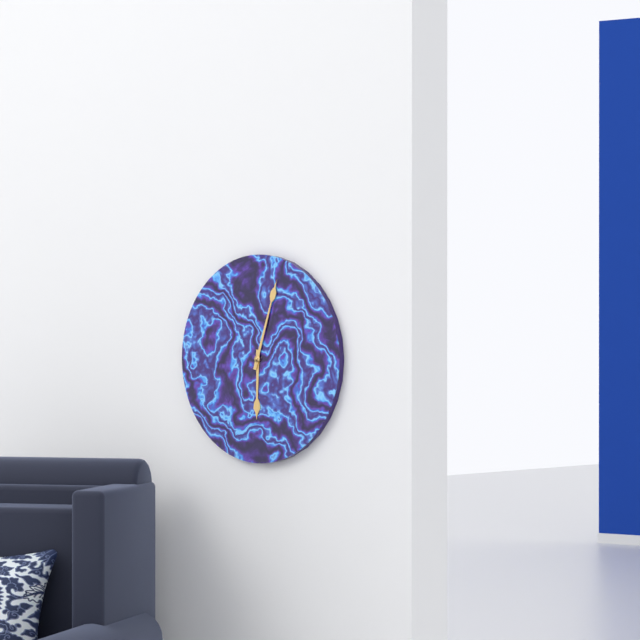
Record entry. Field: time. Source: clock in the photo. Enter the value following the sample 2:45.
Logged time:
6:03
